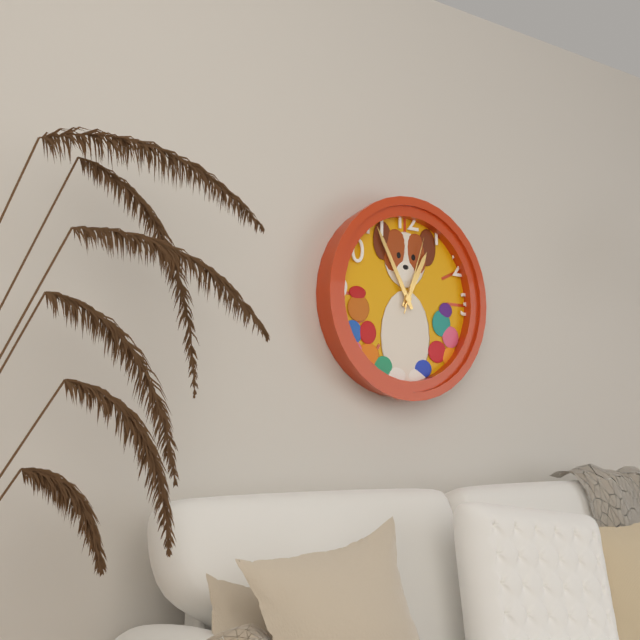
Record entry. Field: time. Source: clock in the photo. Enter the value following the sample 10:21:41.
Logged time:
12:55:03
